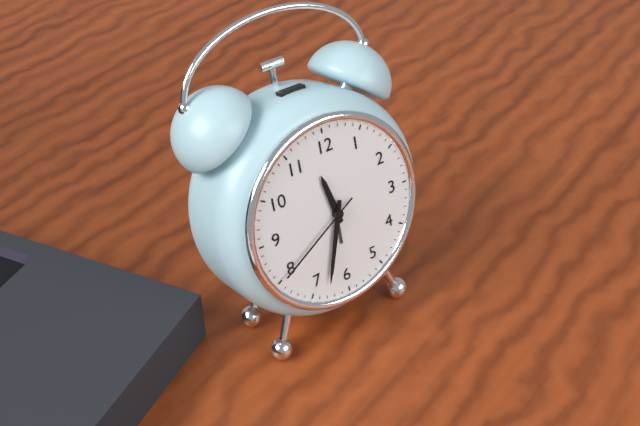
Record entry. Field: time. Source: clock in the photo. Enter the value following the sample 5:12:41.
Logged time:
11:33:40
